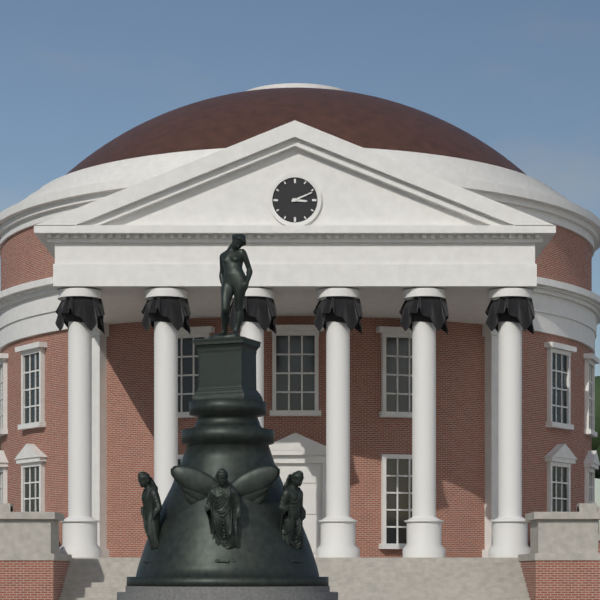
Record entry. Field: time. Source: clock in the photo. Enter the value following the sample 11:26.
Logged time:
3:11
